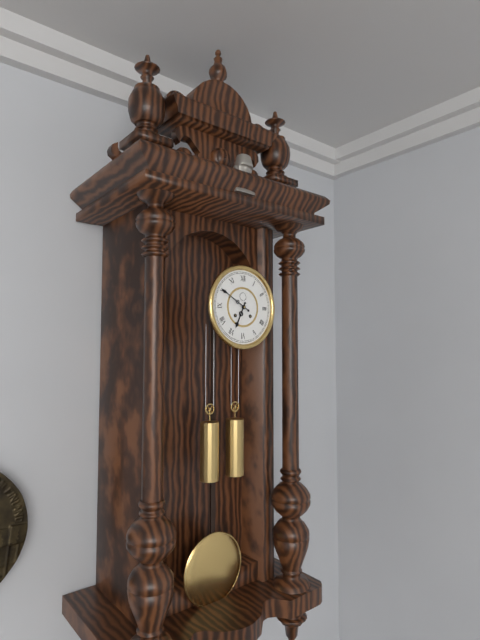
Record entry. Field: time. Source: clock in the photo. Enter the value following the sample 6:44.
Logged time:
6:50
